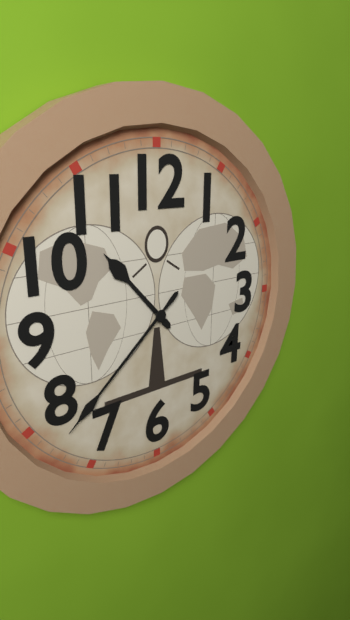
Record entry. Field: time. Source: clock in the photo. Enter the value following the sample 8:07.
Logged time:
10:38
